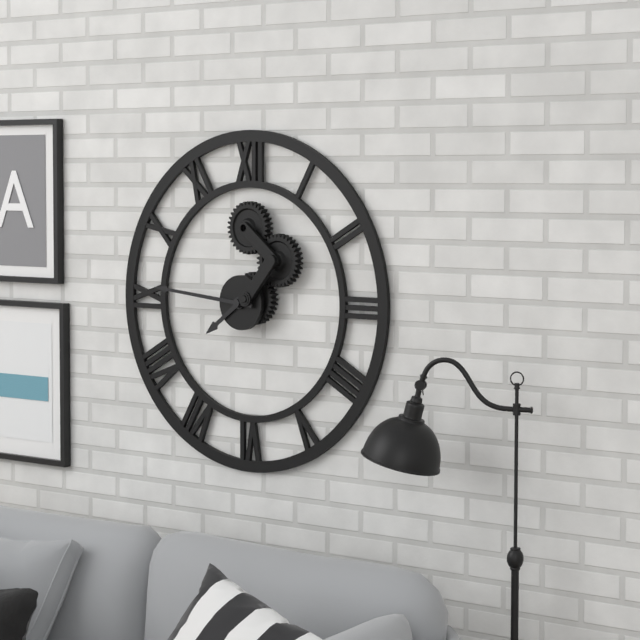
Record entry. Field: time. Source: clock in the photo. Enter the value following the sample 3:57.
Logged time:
7:46
